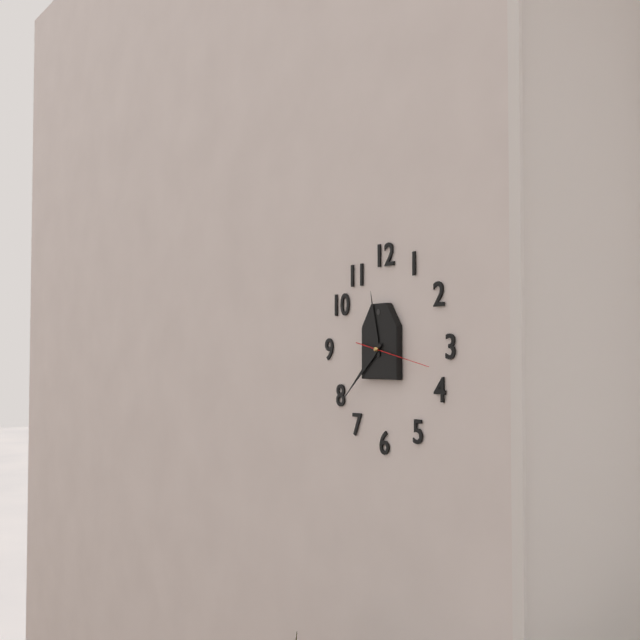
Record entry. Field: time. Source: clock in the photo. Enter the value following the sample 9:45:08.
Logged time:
11:38:17
